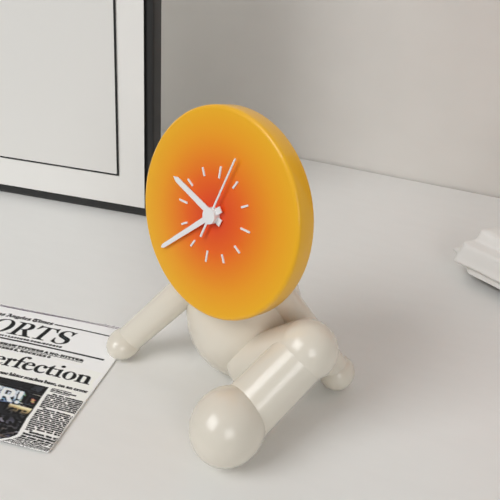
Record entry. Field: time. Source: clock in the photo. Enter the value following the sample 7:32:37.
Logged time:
9:38:03
